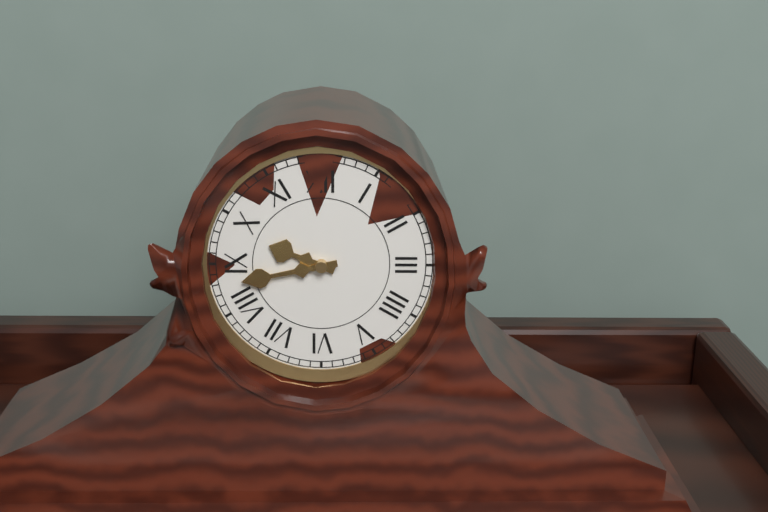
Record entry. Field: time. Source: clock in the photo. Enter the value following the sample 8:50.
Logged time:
9:43
